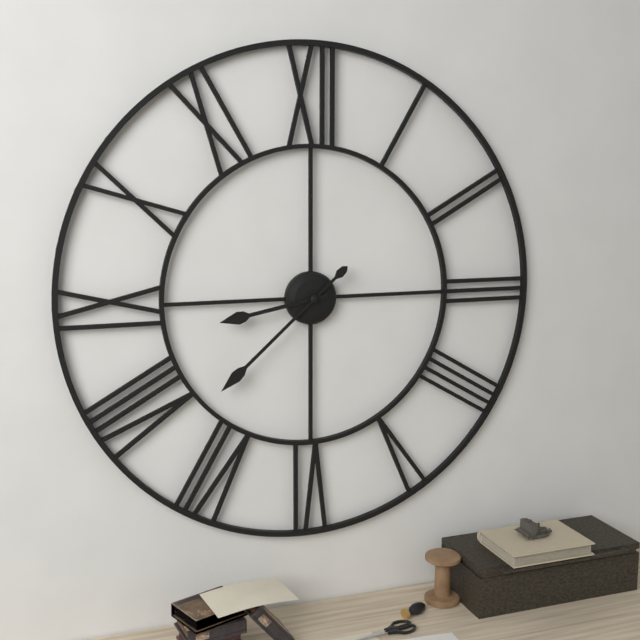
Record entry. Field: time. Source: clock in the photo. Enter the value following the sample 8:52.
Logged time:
8:38
